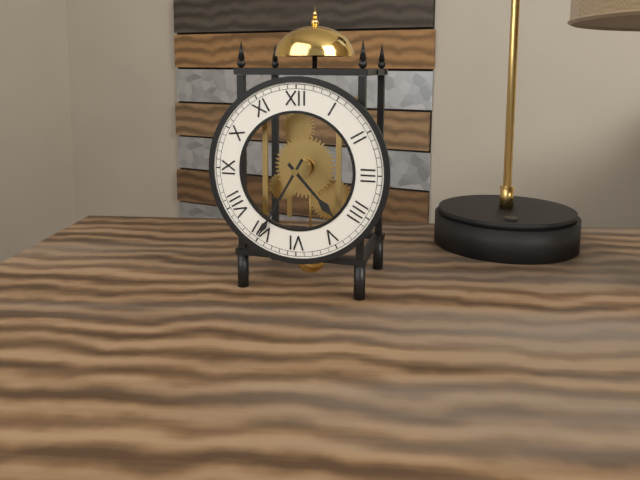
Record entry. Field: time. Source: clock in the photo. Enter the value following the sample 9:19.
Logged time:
4:35
